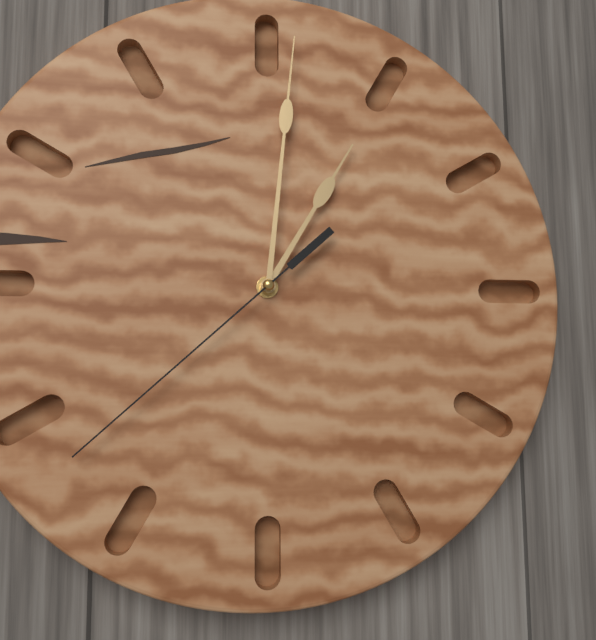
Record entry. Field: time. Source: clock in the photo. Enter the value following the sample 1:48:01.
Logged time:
1:01:38
